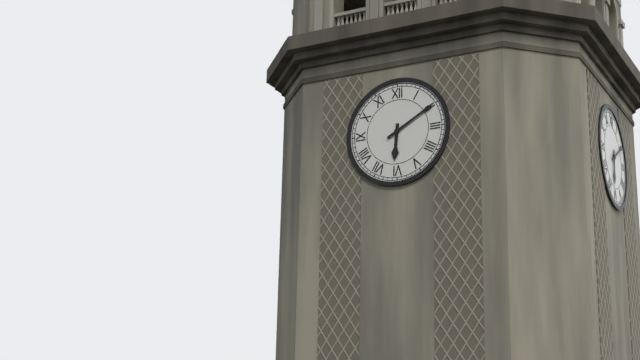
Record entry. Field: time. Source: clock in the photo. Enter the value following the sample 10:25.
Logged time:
6:10
